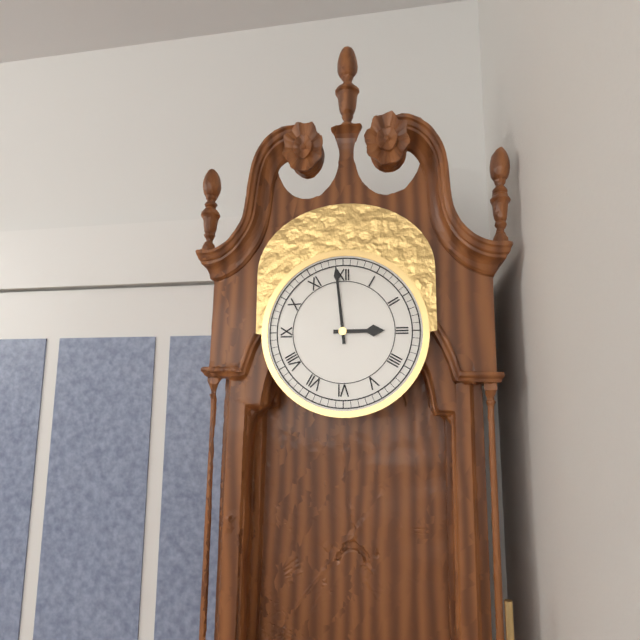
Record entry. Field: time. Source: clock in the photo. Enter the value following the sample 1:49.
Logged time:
2:59
